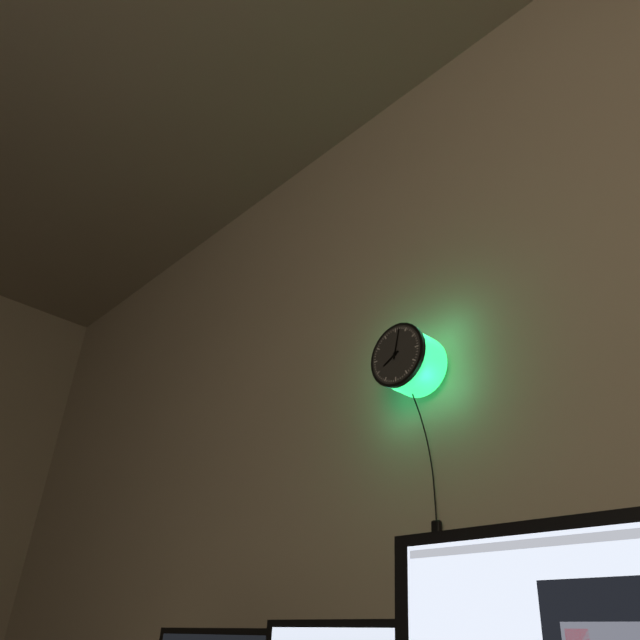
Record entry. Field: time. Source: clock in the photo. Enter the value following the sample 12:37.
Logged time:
8:02
